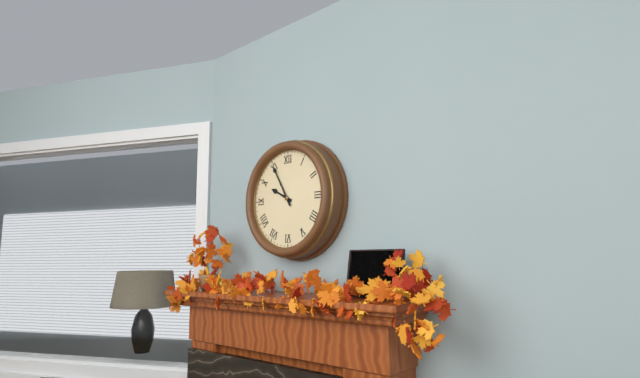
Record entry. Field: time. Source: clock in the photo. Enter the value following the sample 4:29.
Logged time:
9:55
